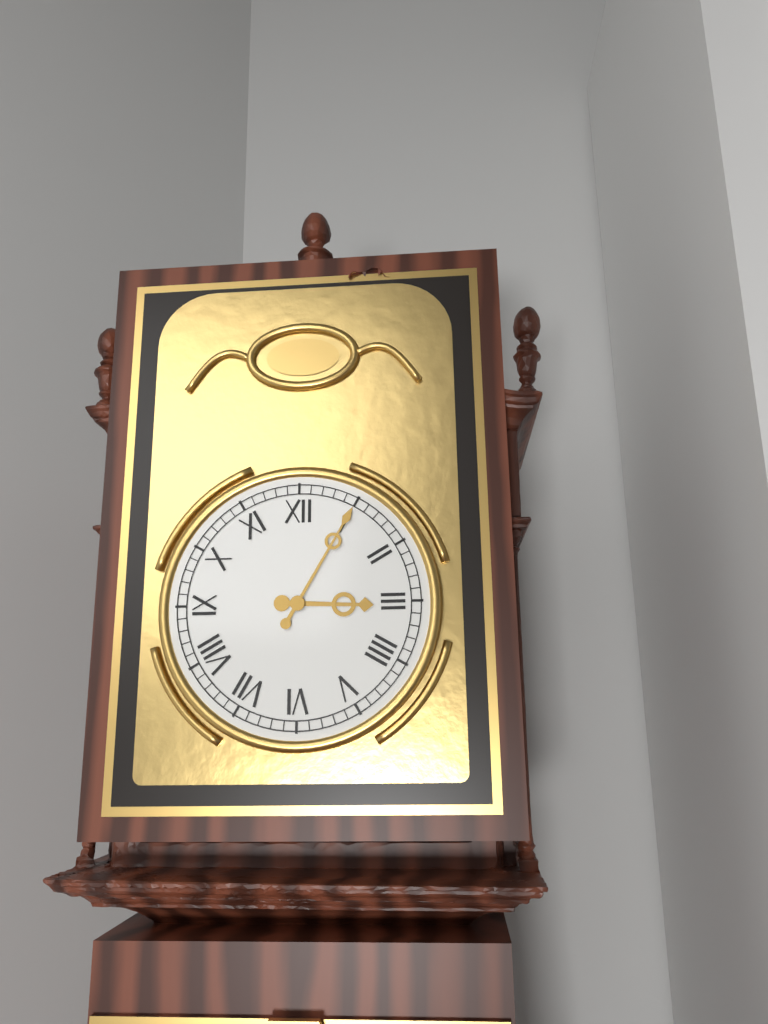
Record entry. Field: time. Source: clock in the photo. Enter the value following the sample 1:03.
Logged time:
3:05
